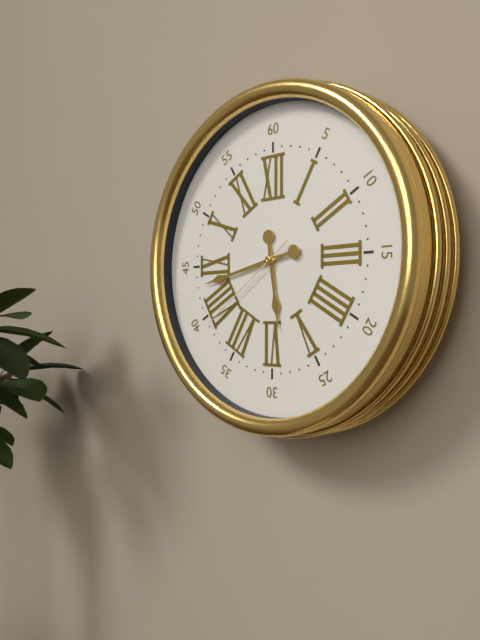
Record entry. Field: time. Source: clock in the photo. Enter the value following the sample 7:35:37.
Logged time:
5:43:39
